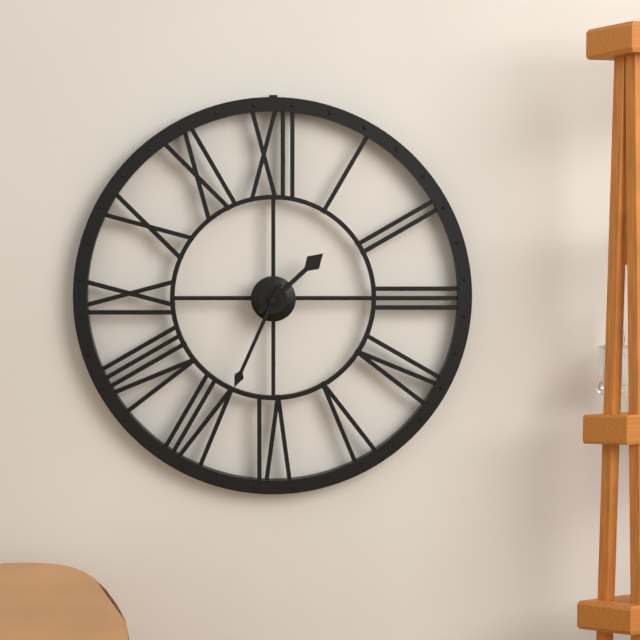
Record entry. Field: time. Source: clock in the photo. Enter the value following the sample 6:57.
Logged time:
1:34
